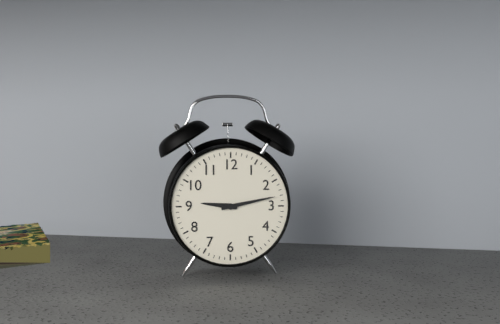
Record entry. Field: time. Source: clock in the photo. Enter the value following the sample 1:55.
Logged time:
9:13
